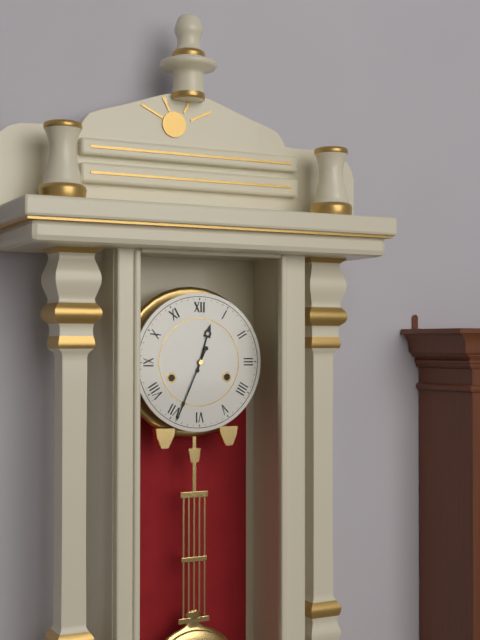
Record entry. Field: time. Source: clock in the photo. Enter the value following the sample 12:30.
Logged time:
12:34
